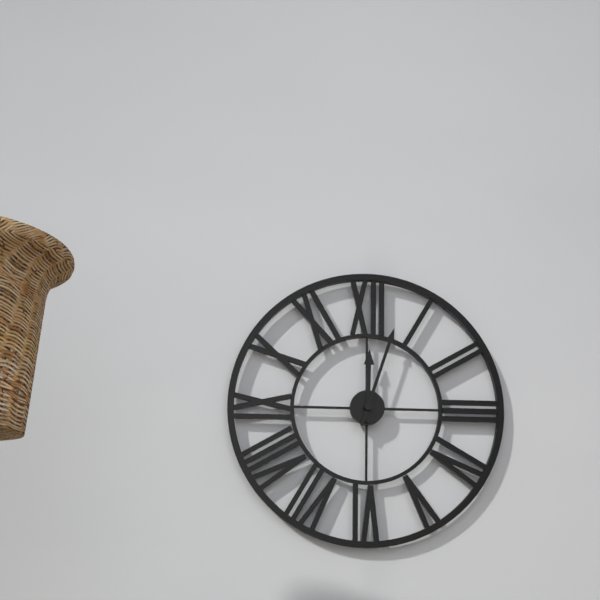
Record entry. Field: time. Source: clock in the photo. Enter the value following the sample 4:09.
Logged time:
12:03
